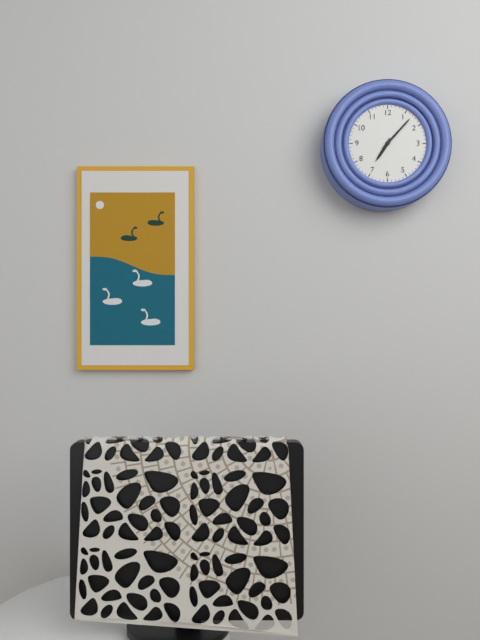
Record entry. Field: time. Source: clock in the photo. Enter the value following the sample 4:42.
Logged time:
7:07
